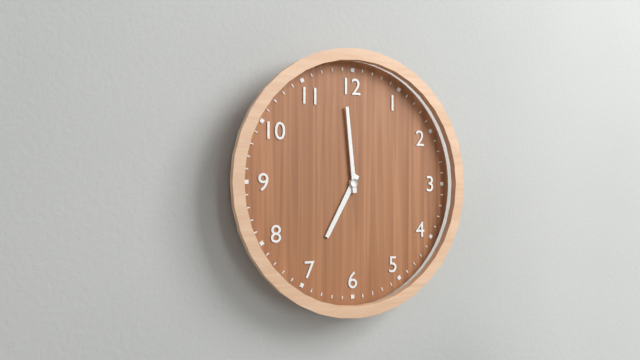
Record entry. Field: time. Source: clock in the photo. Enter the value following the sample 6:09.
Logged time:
6:59
